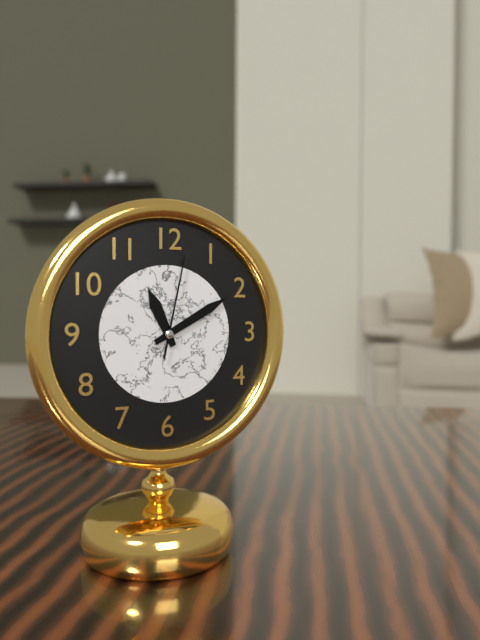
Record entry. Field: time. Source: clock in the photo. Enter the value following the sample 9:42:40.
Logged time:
11:10:02
